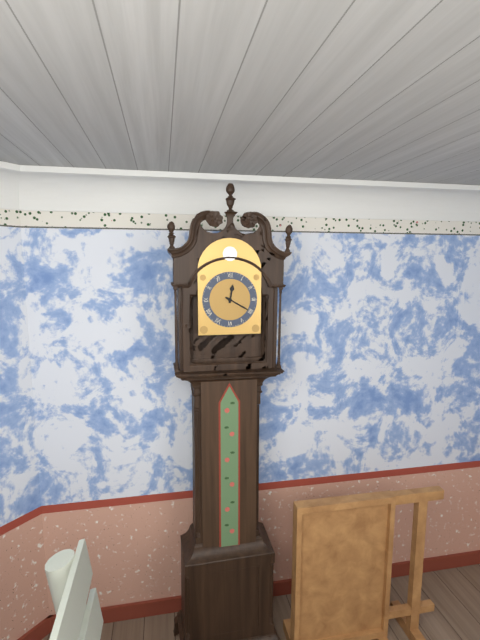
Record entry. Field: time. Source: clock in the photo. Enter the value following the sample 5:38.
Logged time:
12:20
